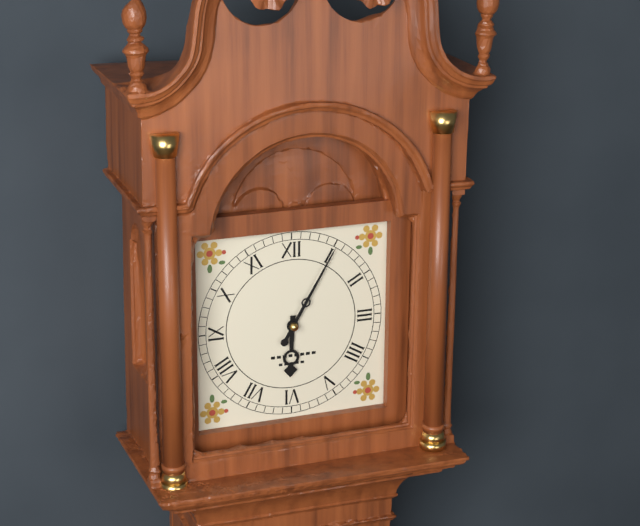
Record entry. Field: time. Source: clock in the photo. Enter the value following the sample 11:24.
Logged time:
6:05
